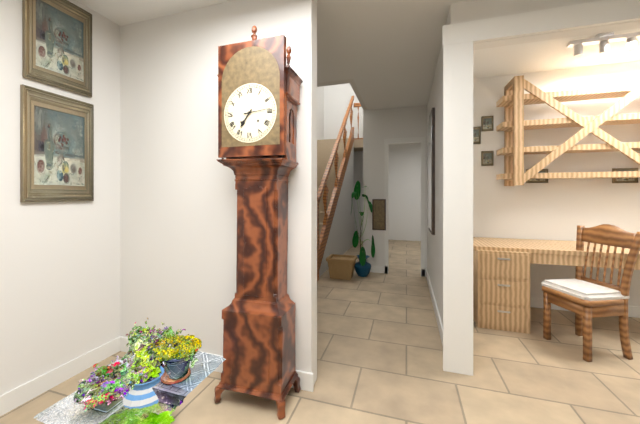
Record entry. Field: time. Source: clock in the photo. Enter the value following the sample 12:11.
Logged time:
7:14
